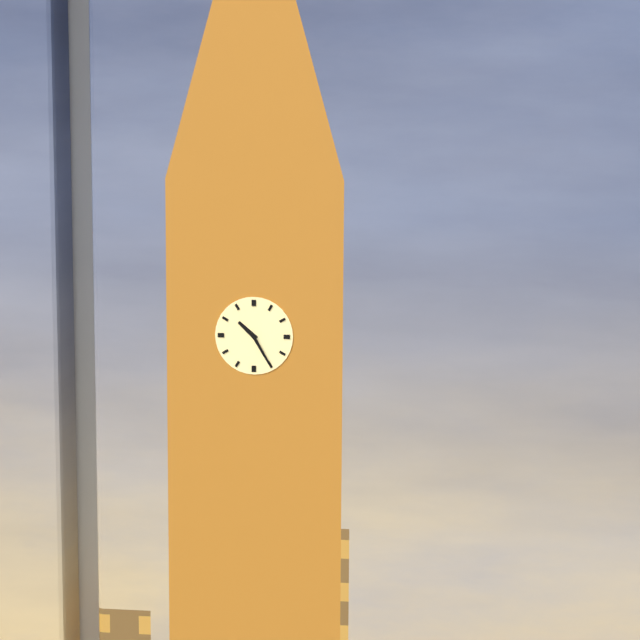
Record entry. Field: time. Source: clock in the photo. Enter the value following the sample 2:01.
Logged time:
10:25
